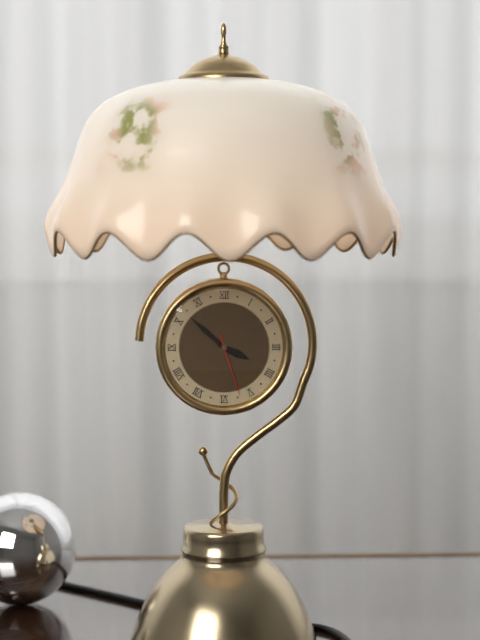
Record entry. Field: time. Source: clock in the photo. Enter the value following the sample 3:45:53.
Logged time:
3:52:27
